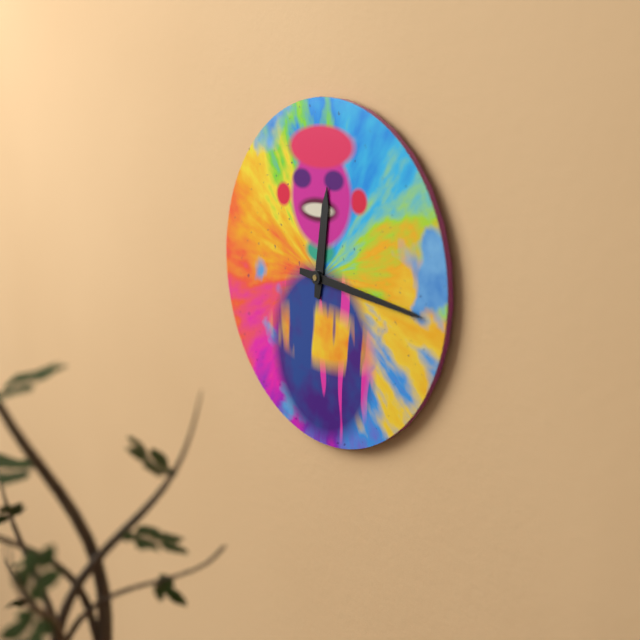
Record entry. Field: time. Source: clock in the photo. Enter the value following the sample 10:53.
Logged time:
12:16
